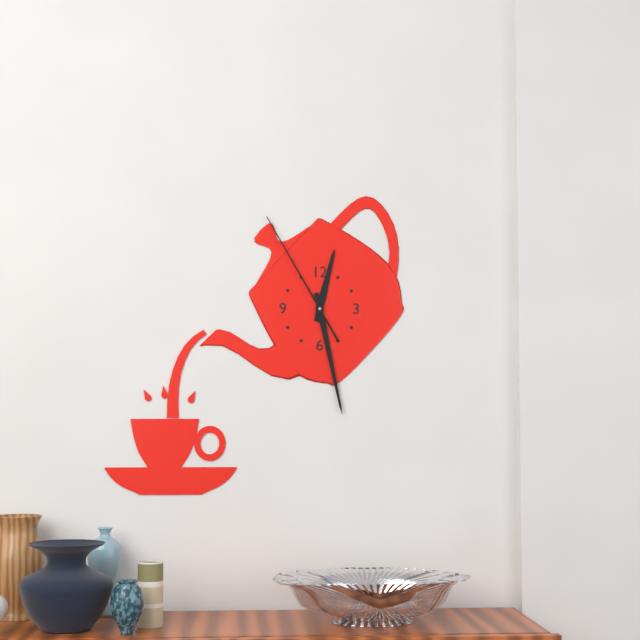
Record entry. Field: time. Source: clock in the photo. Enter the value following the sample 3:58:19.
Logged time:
12:28:55
